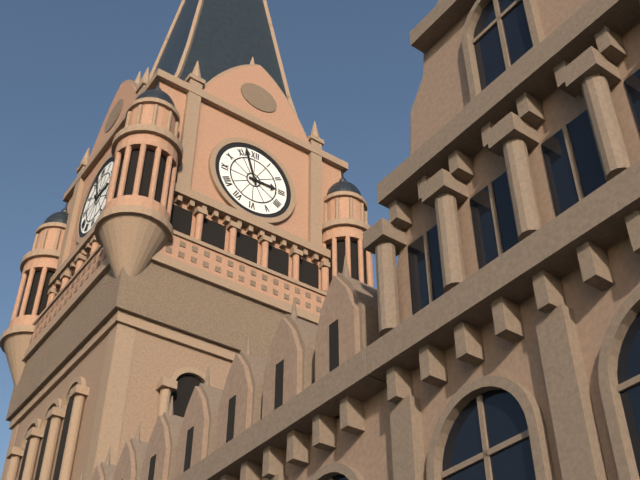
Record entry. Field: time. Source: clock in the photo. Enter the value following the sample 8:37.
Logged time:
2:57
